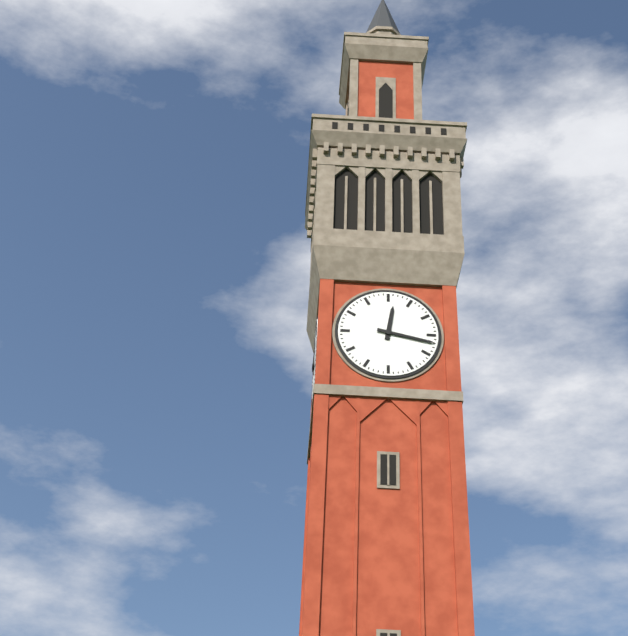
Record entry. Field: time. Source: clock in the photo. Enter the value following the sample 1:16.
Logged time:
12:17
